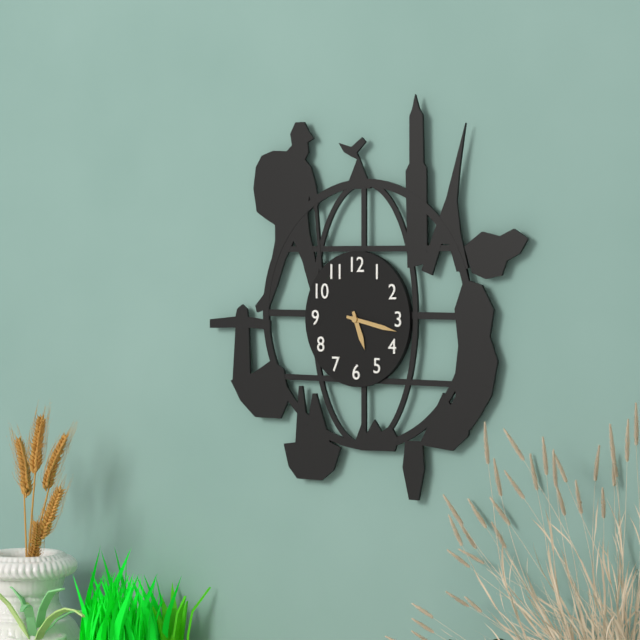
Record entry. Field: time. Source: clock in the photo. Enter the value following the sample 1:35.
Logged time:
5:17
